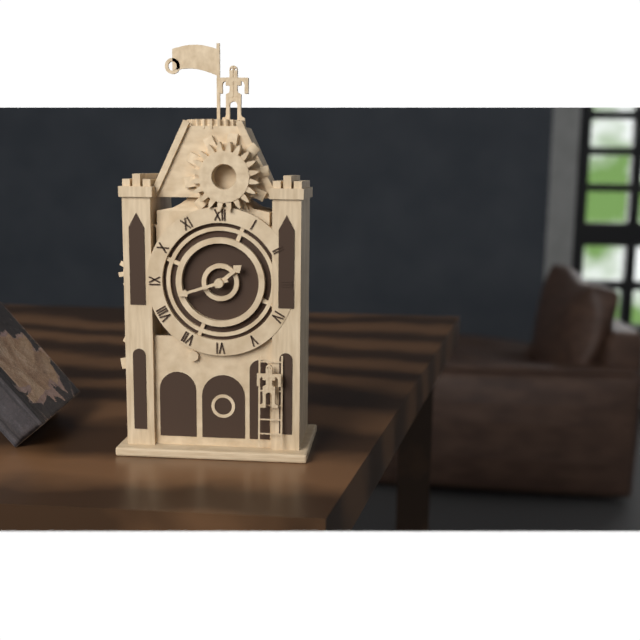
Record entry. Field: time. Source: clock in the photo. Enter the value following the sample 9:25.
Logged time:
1:42
